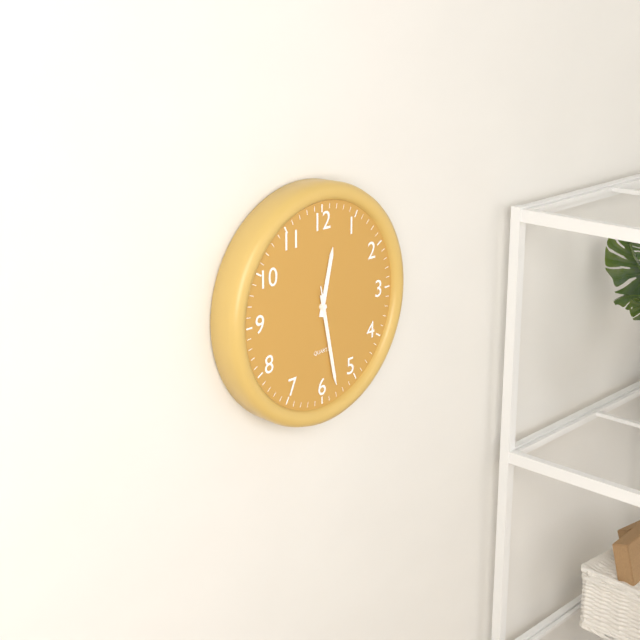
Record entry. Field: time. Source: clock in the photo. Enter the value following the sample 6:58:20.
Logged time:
12:28:28
